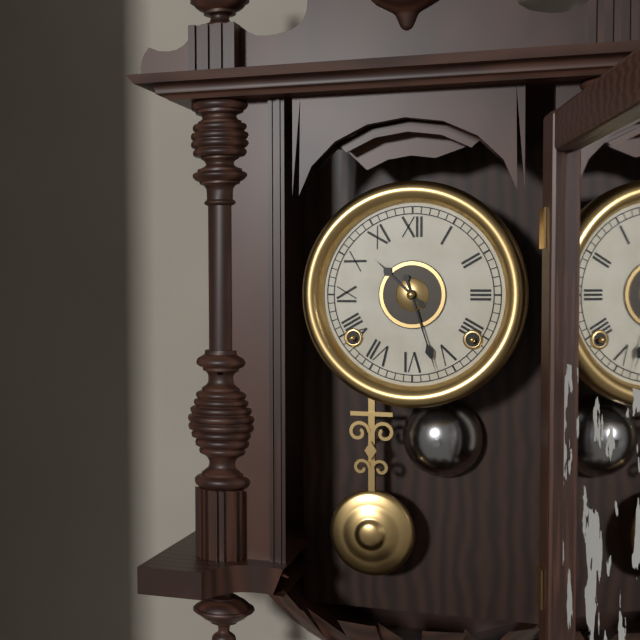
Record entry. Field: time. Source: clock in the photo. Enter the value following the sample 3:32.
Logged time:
10:27
